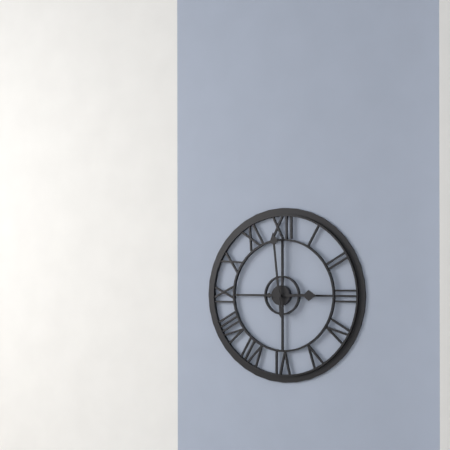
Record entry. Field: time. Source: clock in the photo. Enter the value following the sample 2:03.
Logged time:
2:59
